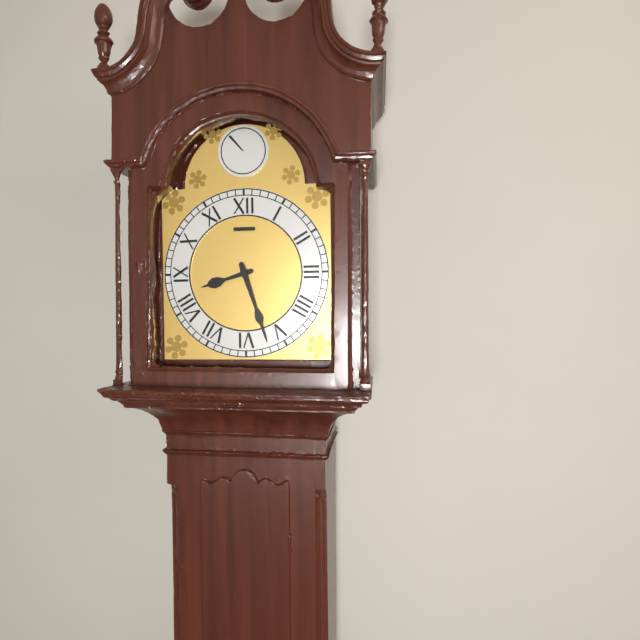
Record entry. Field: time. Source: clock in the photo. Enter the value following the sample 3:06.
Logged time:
8:27
